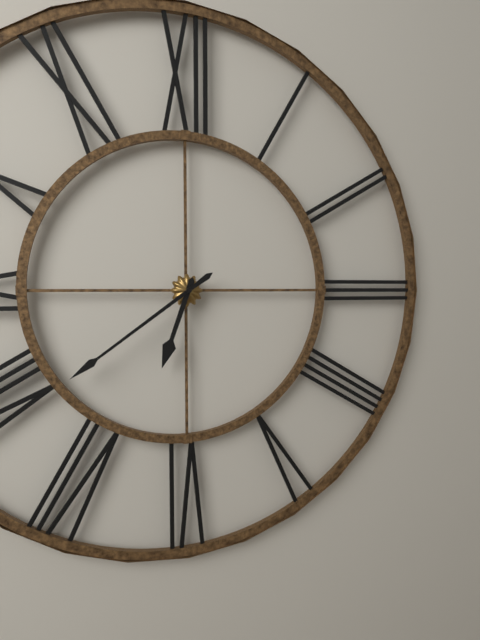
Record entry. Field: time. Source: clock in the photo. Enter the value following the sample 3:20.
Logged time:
6:39
